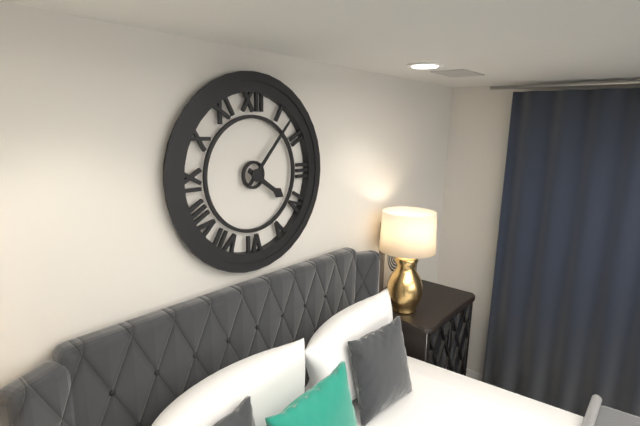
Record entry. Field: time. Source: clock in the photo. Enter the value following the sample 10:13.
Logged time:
4:07
